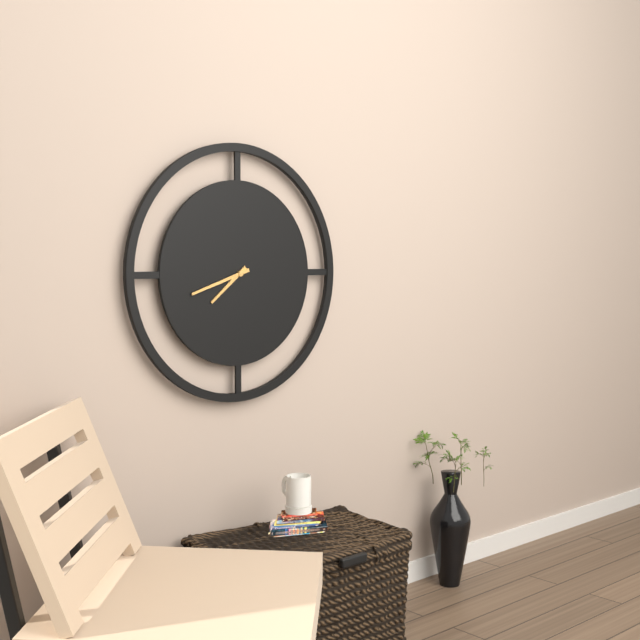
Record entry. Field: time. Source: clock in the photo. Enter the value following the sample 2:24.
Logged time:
7:42
